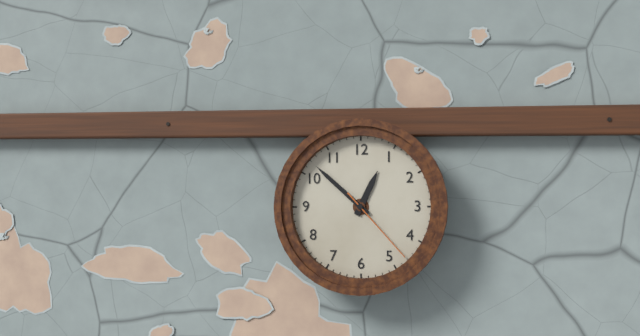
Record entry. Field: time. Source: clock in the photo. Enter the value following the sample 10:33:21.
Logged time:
12:52:23
